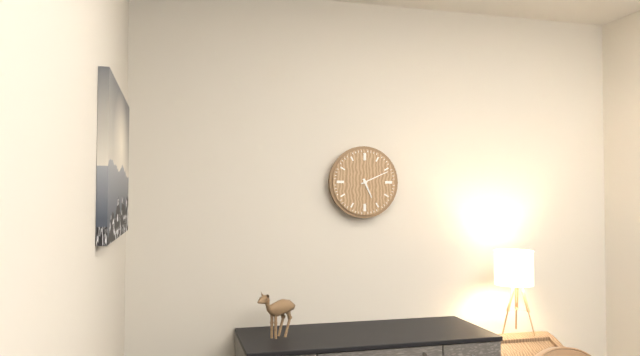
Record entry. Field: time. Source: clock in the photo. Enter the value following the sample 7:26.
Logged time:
5:11
